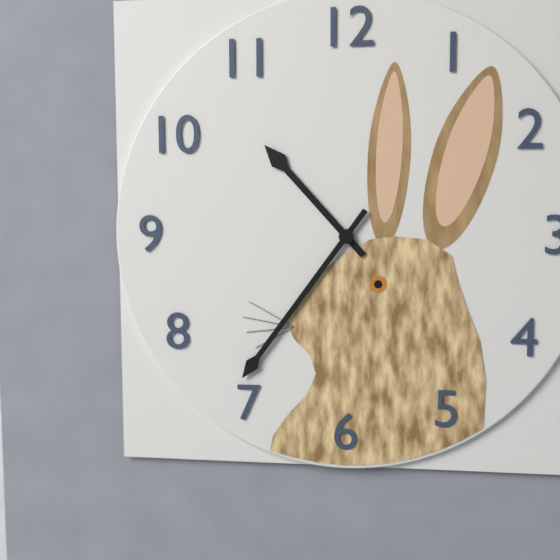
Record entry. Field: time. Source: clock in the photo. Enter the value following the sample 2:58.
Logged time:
10:36
